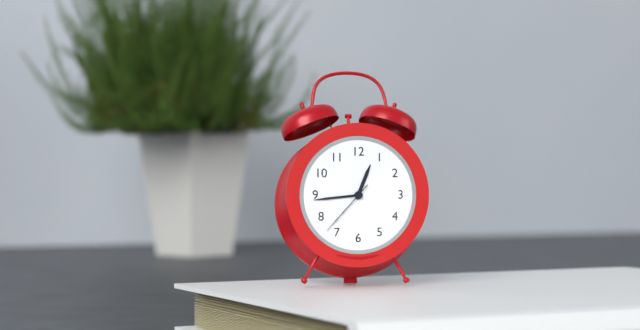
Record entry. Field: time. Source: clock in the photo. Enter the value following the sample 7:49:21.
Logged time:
12:44:37
